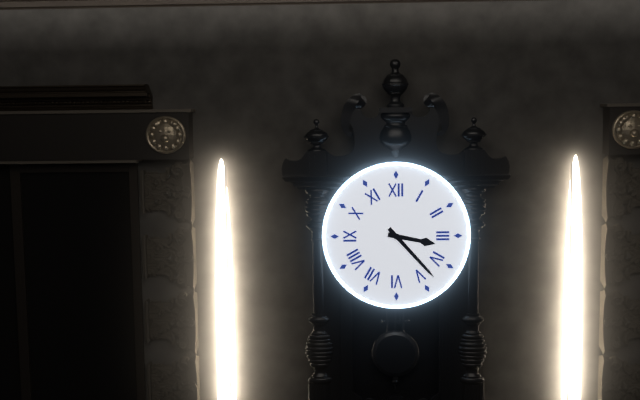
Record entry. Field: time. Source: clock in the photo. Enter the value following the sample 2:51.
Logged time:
3:23
